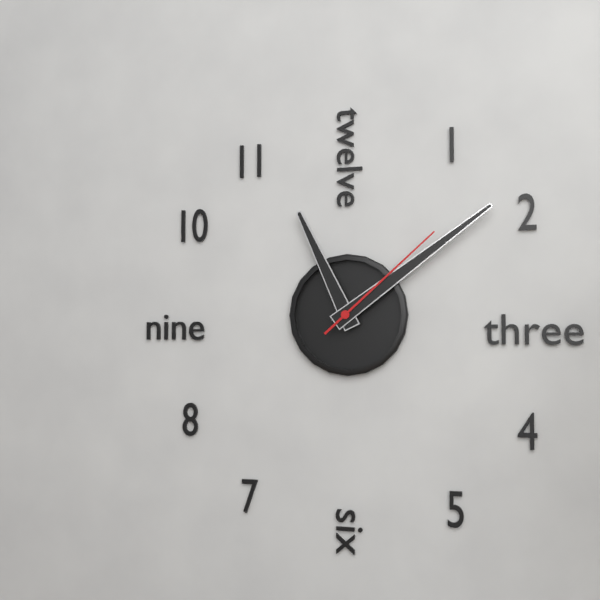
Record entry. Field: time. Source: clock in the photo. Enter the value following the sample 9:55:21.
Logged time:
11:09:08
